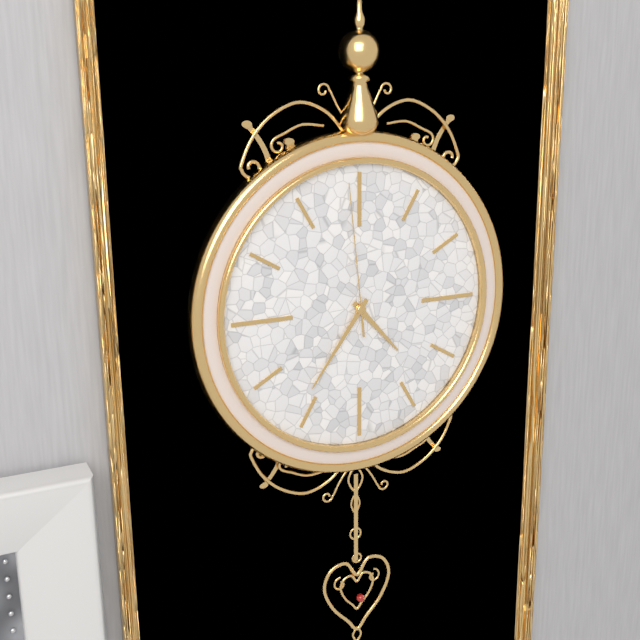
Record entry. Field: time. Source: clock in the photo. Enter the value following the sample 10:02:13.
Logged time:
4:36:59
